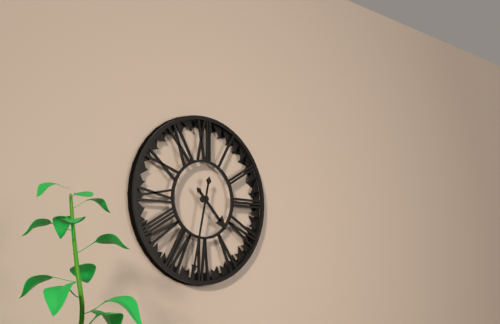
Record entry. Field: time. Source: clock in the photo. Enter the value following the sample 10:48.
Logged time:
4:32
